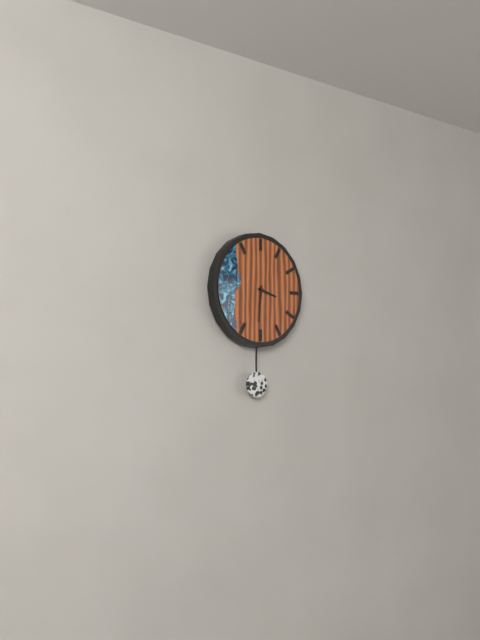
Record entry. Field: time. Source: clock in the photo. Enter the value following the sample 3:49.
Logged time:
3:31
